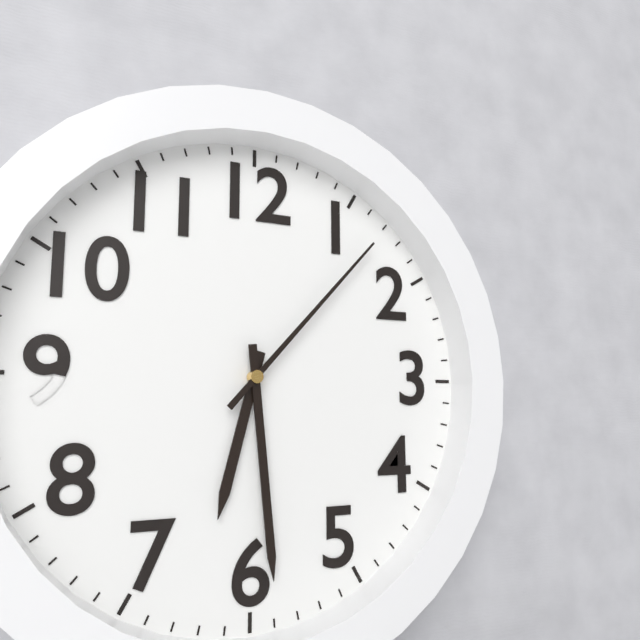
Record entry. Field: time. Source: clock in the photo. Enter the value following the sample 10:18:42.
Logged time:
6:29:07
